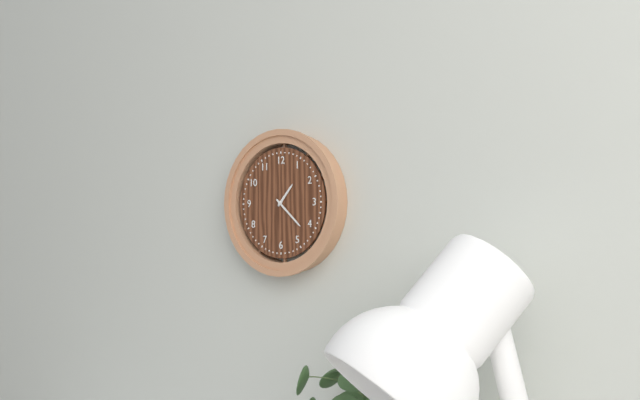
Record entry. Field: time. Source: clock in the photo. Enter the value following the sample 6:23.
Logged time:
1:22
